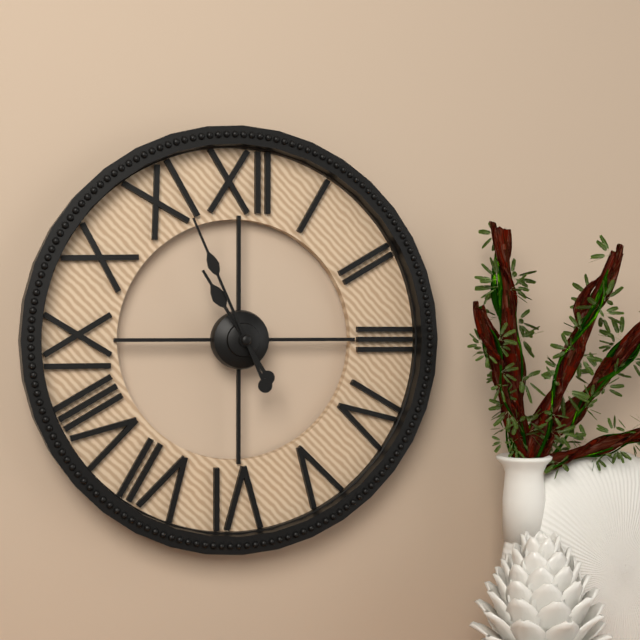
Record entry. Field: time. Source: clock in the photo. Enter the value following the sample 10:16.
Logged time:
10:56
